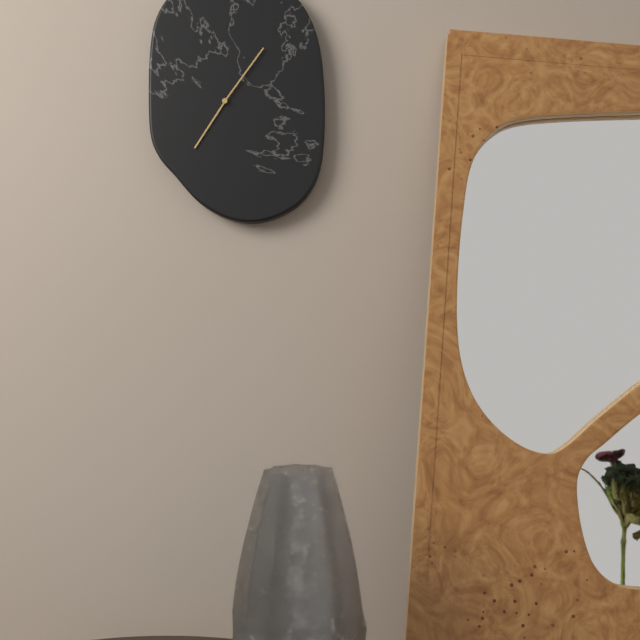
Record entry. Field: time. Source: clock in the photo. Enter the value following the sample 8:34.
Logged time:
7:06
